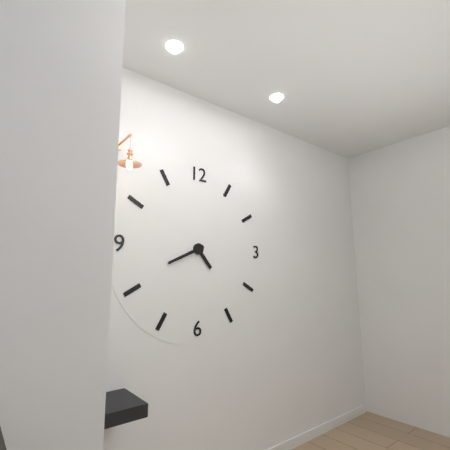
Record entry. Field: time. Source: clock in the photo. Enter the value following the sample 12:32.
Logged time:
4:41
